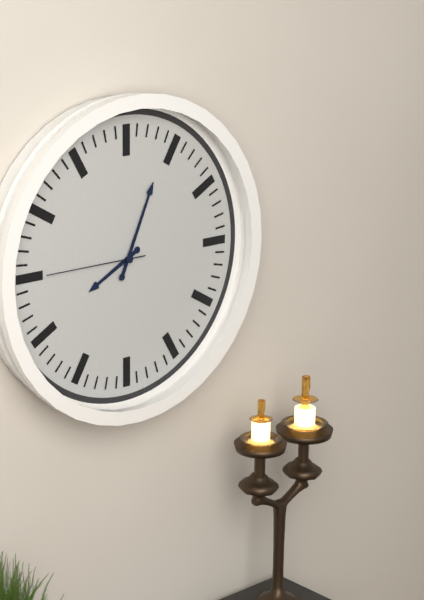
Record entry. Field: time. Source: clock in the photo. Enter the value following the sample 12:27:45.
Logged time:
8:04:45
